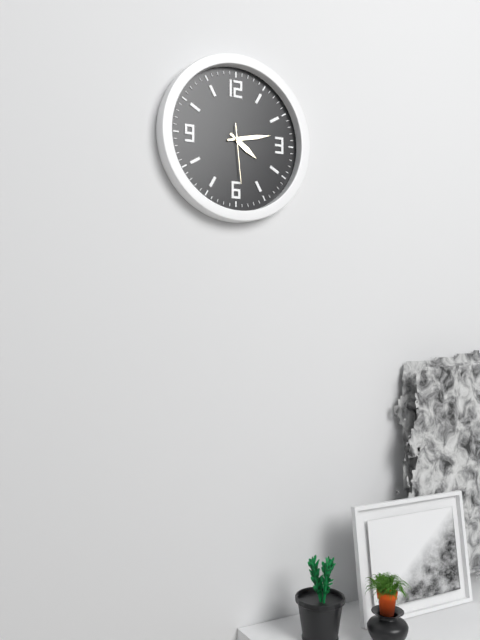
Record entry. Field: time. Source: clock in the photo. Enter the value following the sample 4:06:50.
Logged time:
4:13:29
